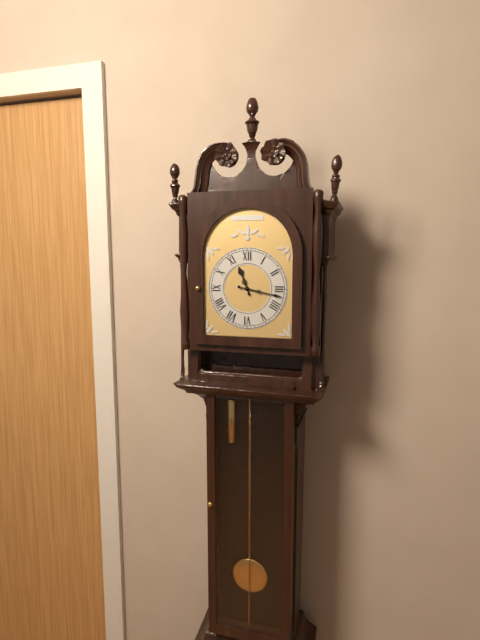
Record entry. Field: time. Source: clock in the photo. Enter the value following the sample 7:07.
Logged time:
11:17
